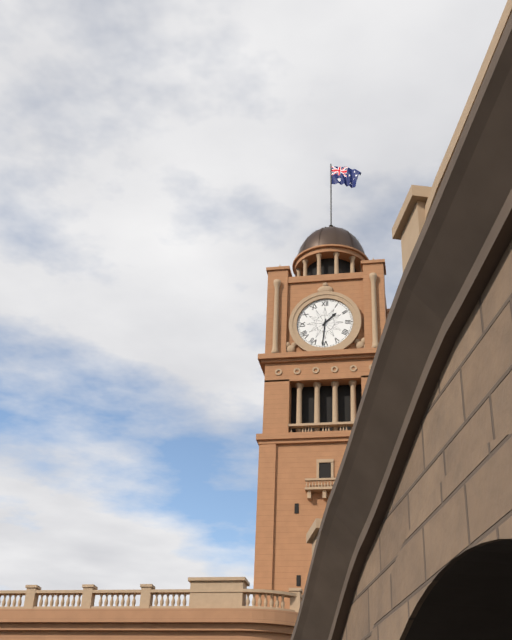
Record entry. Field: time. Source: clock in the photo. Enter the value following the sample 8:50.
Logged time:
1:31
